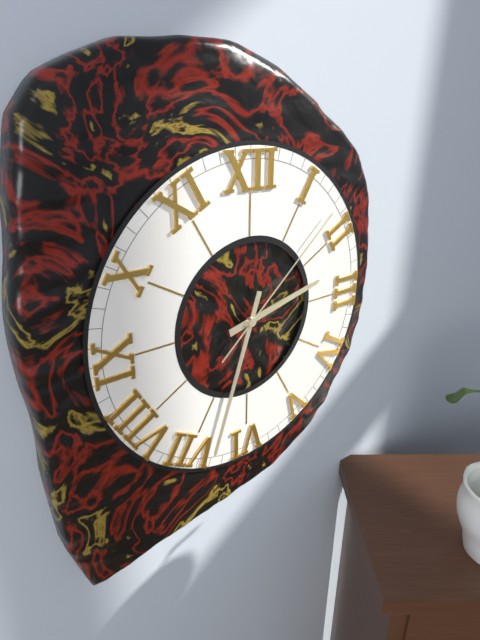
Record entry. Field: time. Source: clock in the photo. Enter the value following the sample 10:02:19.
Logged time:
2:33:08
